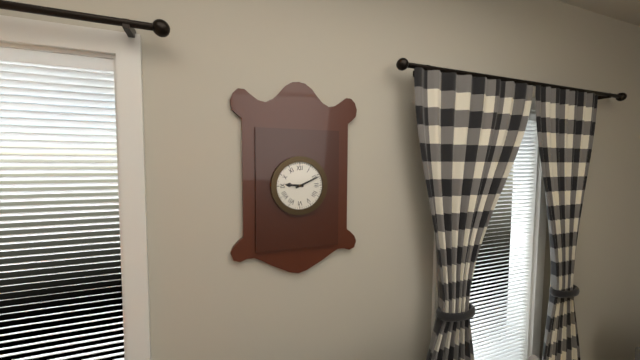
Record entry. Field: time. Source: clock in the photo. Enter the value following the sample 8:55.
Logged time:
9:11
